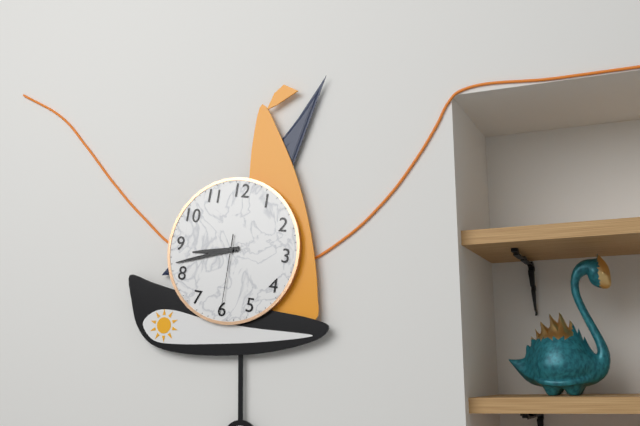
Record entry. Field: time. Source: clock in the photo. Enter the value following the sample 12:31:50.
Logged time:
8:42:30
